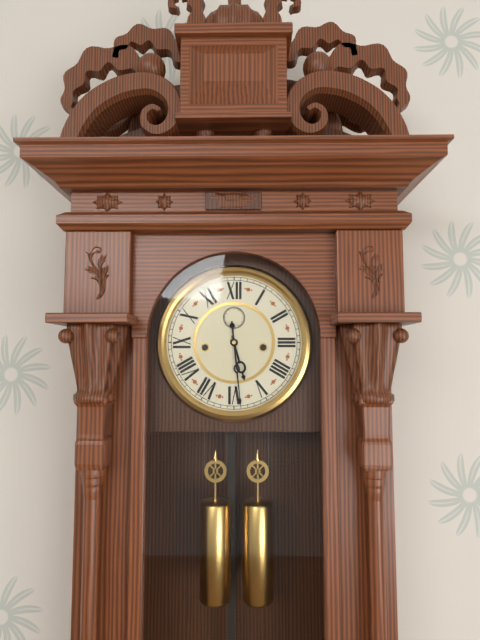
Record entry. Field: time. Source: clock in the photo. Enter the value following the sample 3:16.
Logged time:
5:29
